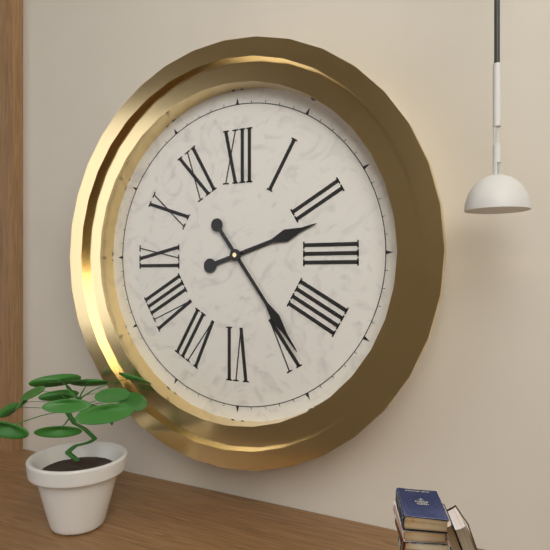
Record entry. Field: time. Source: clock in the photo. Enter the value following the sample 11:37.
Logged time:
2:24
